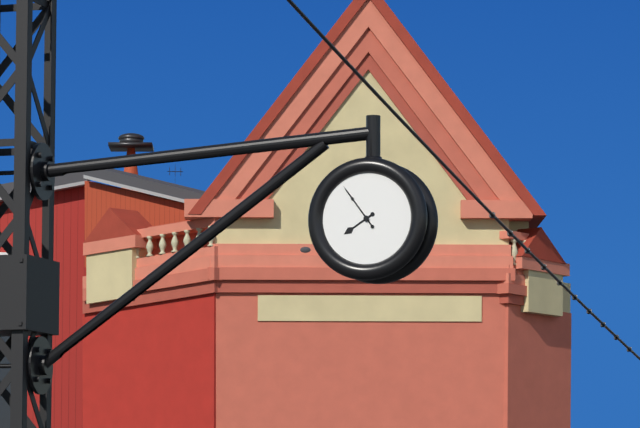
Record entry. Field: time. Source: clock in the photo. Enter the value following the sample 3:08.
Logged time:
7:54
